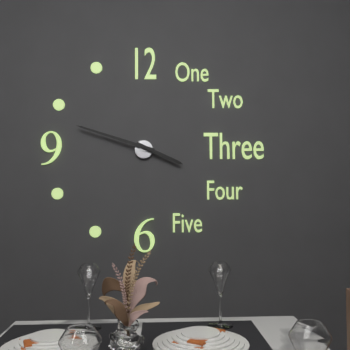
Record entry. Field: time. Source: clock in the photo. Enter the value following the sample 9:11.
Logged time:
3:48
